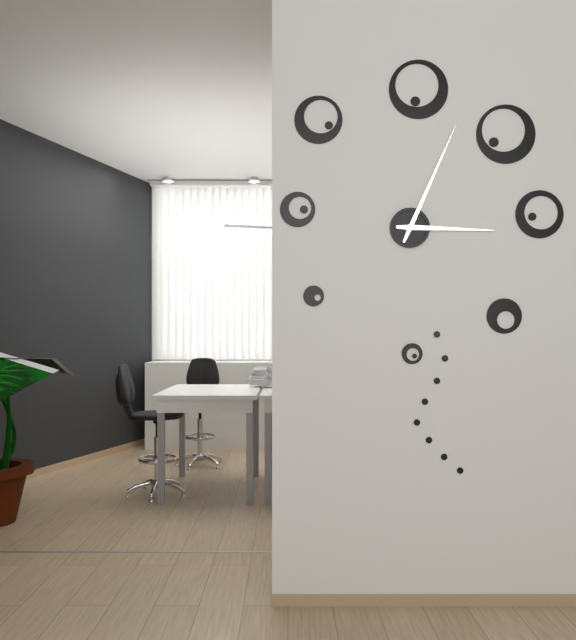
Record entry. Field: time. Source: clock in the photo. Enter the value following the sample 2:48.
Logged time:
3:04
